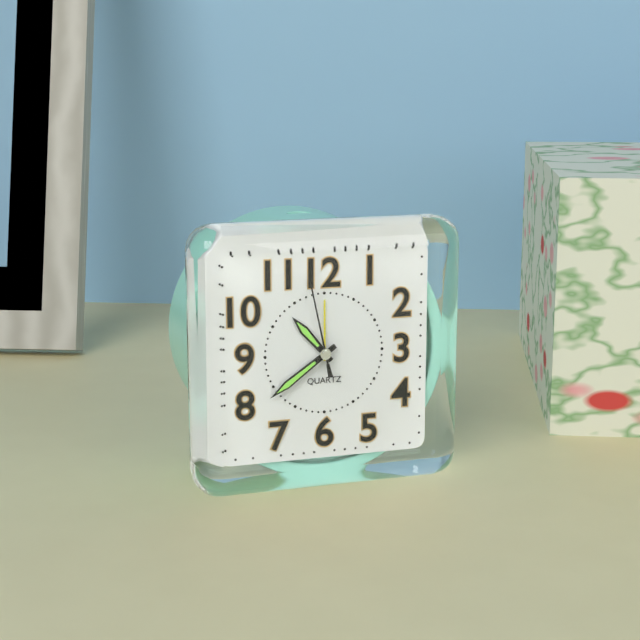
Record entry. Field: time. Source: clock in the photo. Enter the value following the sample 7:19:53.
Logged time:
10:39:58
